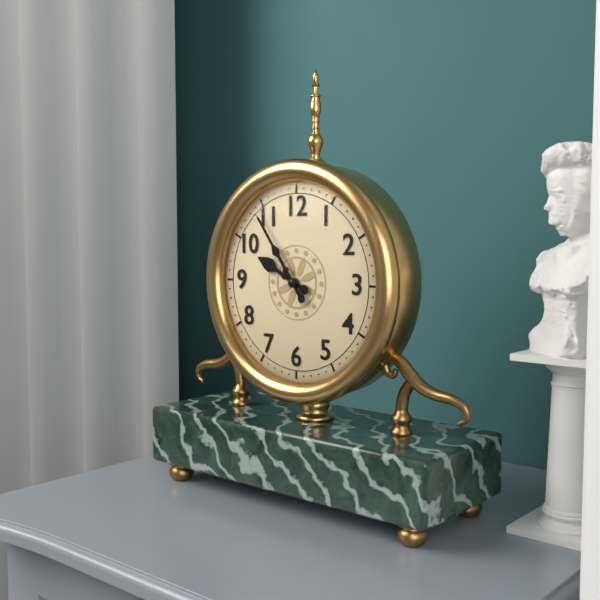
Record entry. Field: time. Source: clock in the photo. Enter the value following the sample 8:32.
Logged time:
9:54
